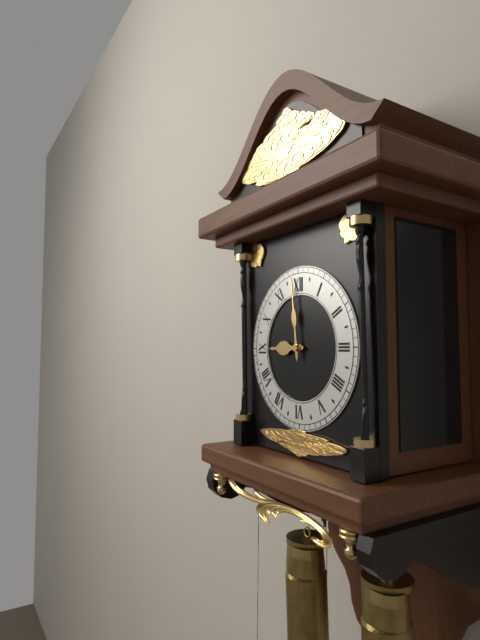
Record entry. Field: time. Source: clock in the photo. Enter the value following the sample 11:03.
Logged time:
8:59
